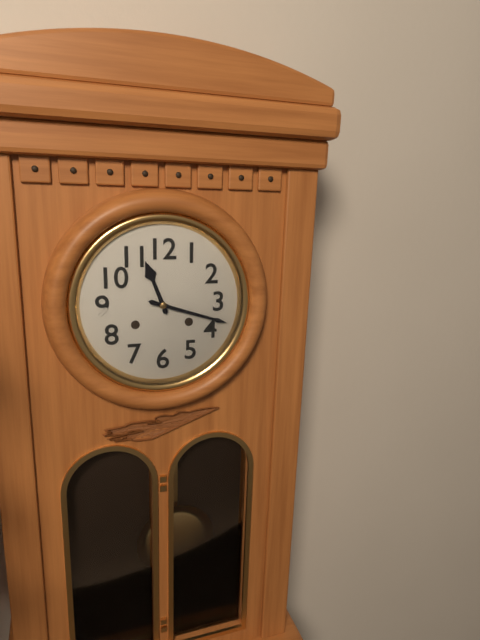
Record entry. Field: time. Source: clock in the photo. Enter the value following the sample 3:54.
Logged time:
11:18
